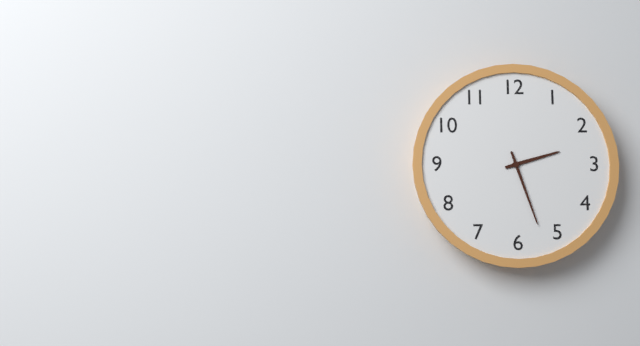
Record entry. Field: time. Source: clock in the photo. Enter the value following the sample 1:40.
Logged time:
2:27
